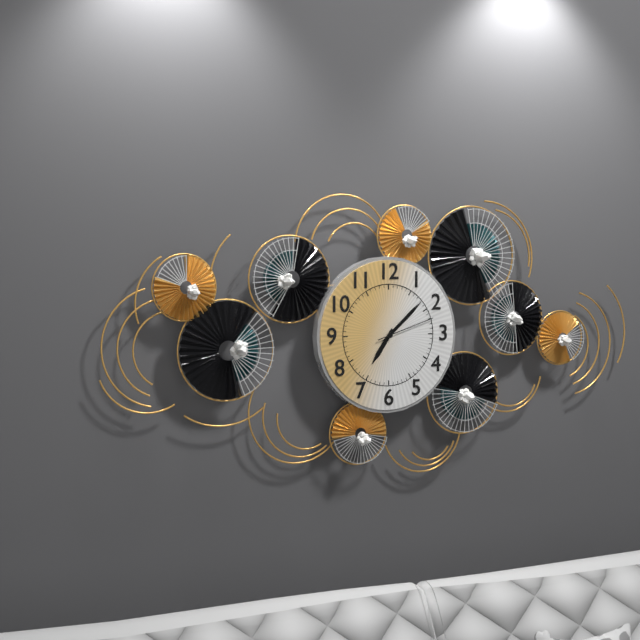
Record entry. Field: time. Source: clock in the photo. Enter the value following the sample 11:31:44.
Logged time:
7:08:12
